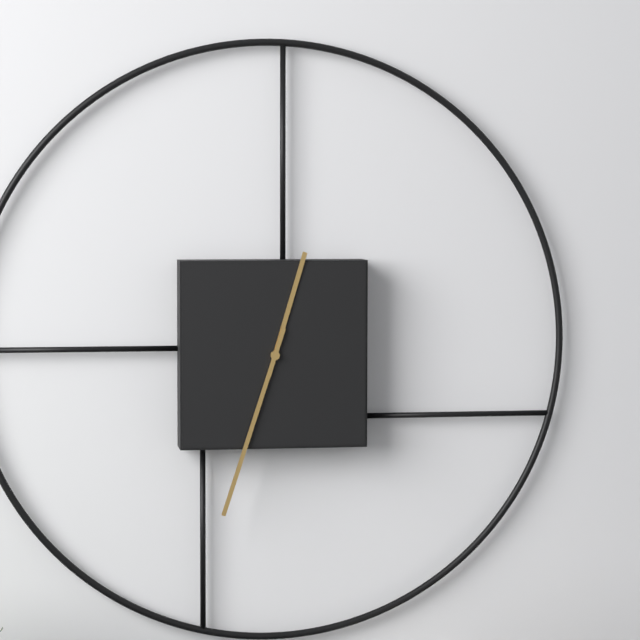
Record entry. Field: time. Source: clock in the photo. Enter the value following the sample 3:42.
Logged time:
12:33
